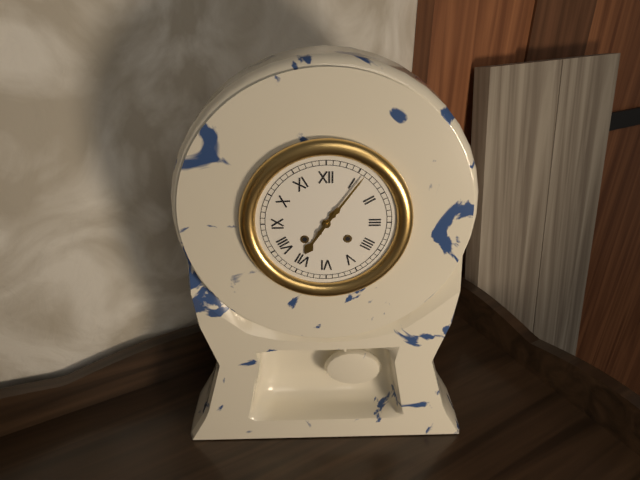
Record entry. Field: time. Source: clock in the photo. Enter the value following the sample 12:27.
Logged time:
7:06
